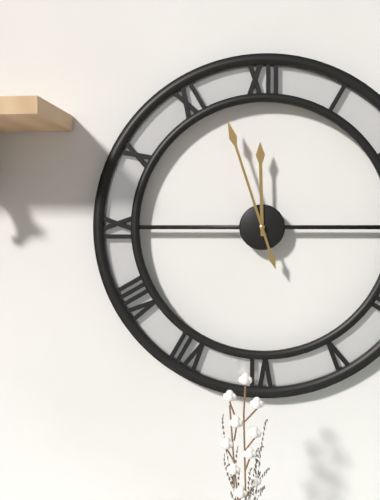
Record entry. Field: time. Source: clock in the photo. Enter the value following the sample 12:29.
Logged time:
11:57
